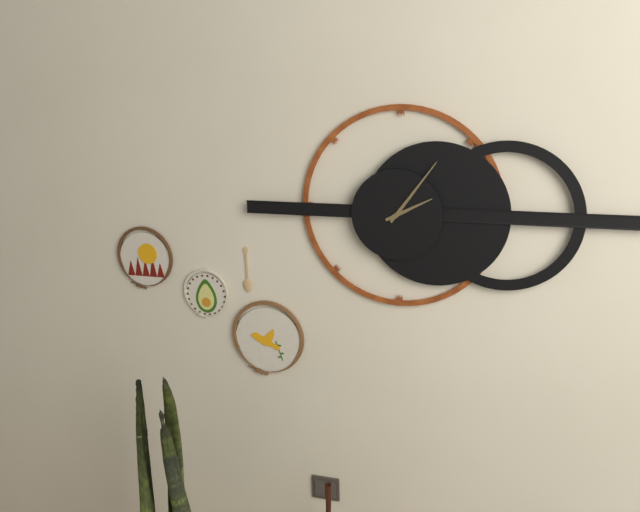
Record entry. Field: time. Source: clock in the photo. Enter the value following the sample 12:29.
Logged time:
2:06
